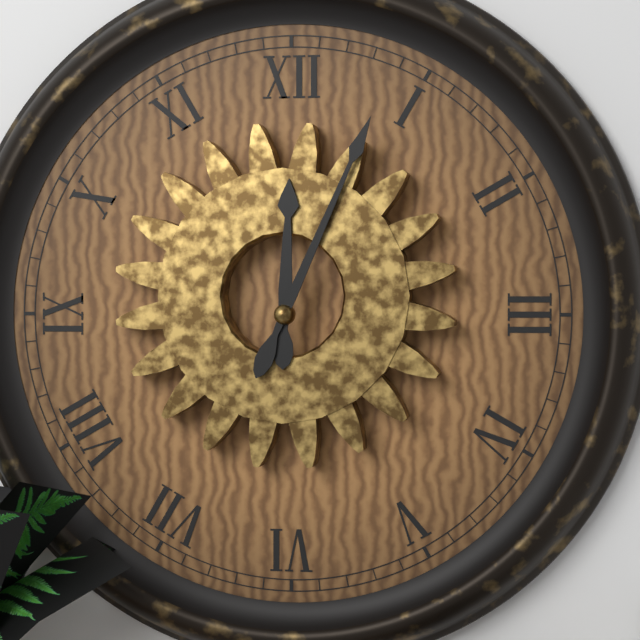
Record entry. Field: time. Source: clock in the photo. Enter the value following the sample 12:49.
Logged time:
12:04
